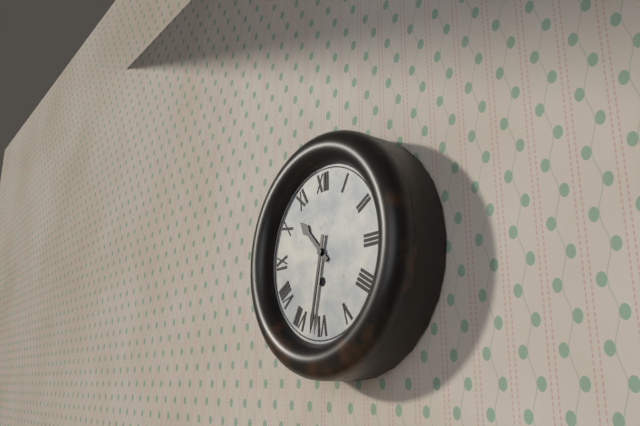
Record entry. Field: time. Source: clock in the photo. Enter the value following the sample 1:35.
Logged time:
10:32
